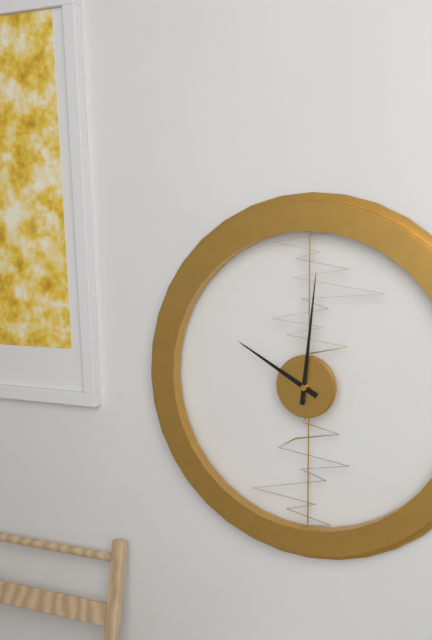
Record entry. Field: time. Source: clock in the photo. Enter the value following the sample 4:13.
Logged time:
10:01
